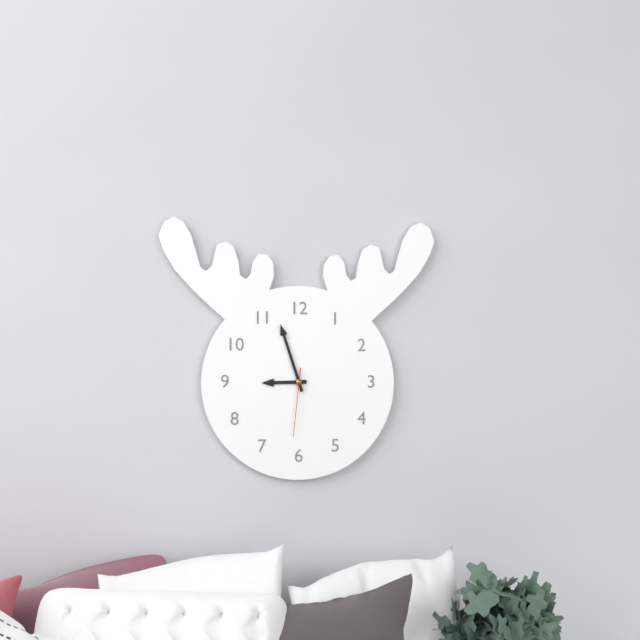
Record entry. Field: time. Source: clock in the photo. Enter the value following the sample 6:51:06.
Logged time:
8:57:31
